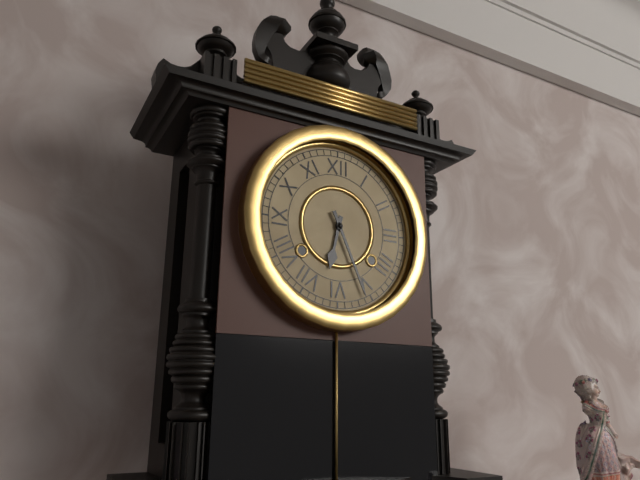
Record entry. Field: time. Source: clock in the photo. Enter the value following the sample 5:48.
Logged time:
6:26
